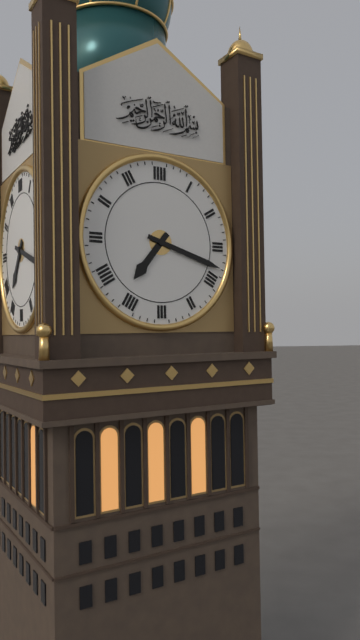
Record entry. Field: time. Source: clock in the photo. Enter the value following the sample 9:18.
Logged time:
7:18
